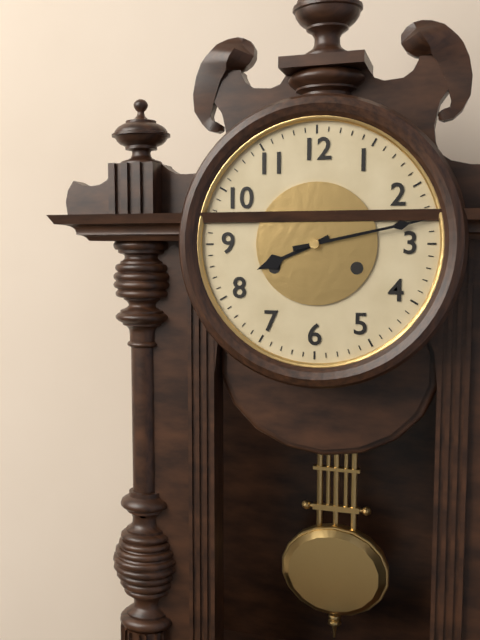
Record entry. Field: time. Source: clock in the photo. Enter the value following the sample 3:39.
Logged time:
8:13
